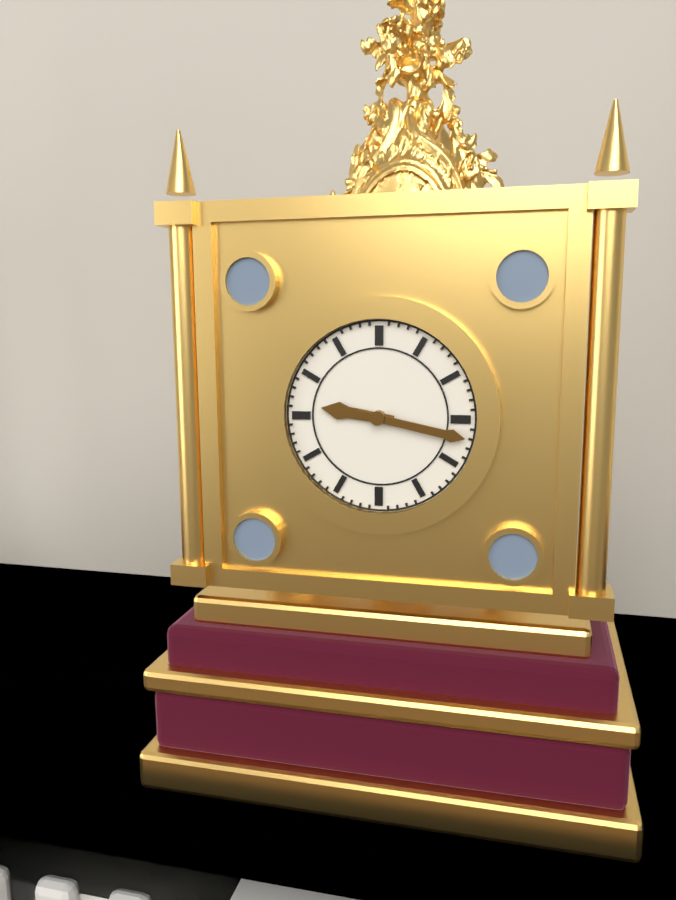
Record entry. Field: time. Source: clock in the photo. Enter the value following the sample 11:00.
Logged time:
9:17
